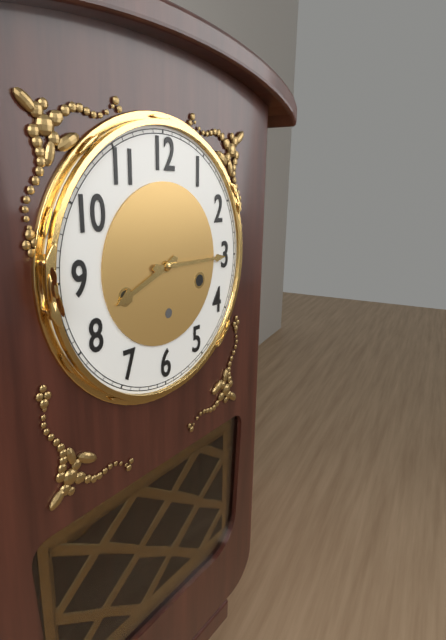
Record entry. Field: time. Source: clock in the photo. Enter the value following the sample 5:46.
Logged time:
8:15
